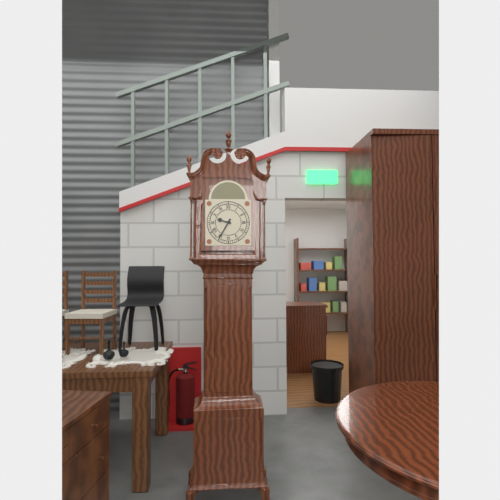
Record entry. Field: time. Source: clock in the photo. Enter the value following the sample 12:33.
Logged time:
9:35
